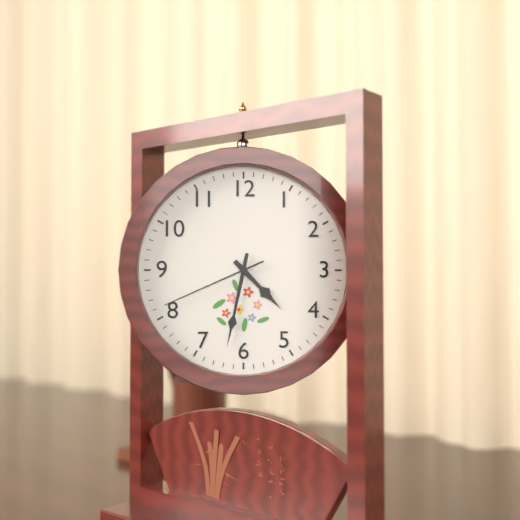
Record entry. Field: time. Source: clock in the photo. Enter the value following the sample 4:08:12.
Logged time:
4:32:41
